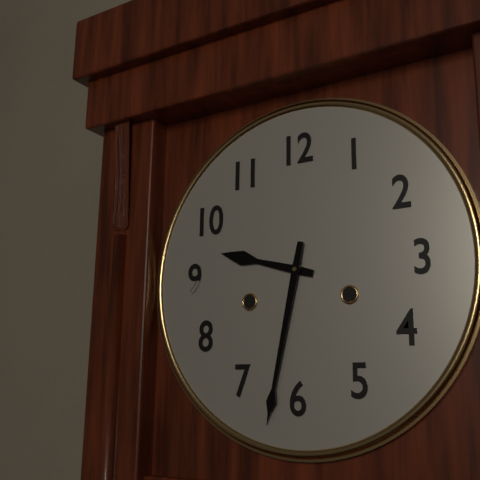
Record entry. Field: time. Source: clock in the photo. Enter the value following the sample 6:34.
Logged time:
9:32
